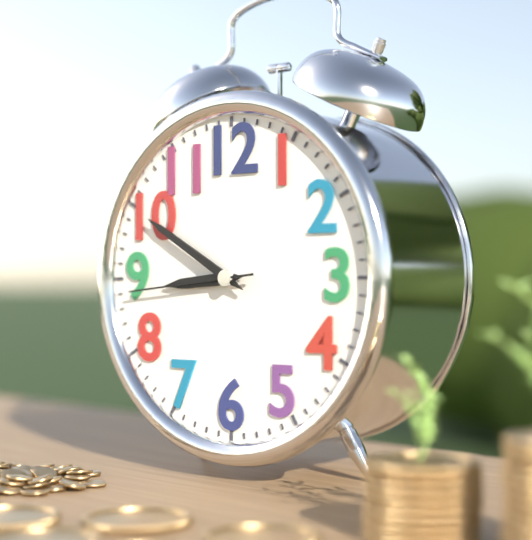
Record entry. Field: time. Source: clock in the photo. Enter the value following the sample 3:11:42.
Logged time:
8:50:44
